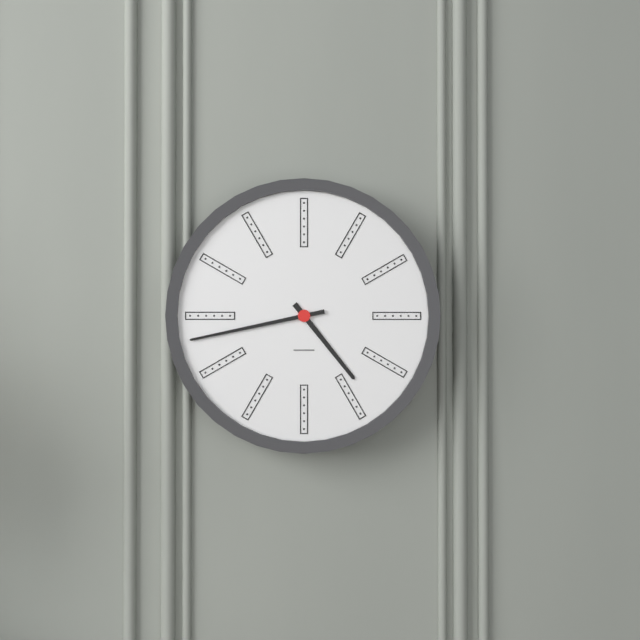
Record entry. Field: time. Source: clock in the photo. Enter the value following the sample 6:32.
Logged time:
4:43
